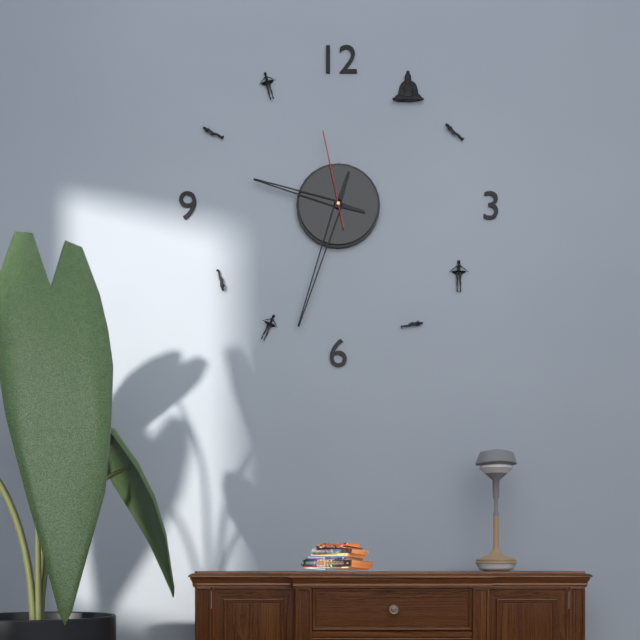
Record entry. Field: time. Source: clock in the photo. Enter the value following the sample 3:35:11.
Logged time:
9:33:58
